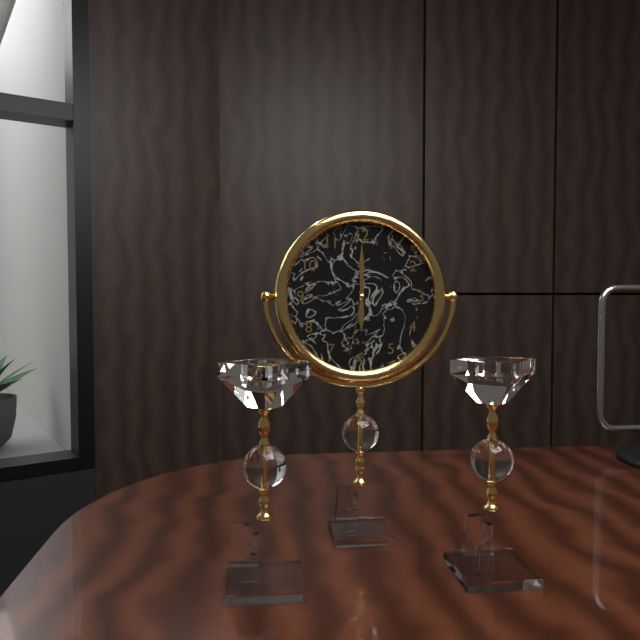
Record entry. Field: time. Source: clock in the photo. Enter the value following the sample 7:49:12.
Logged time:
6:00:32
